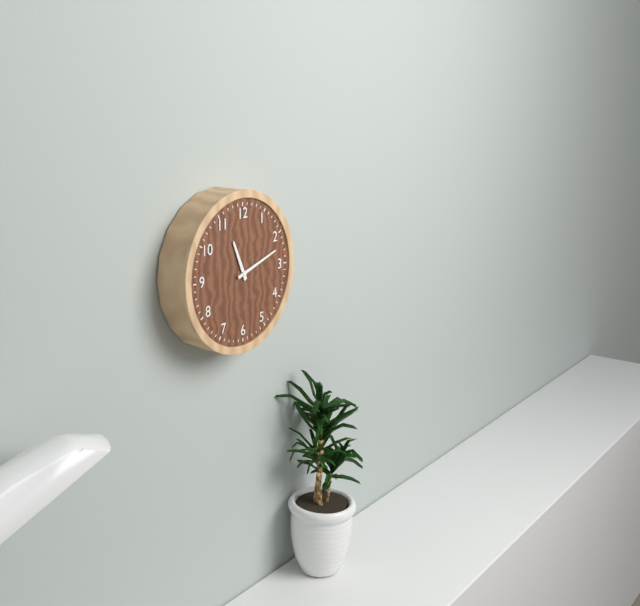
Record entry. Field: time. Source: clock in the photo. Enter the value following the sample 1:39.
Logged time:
11:12
